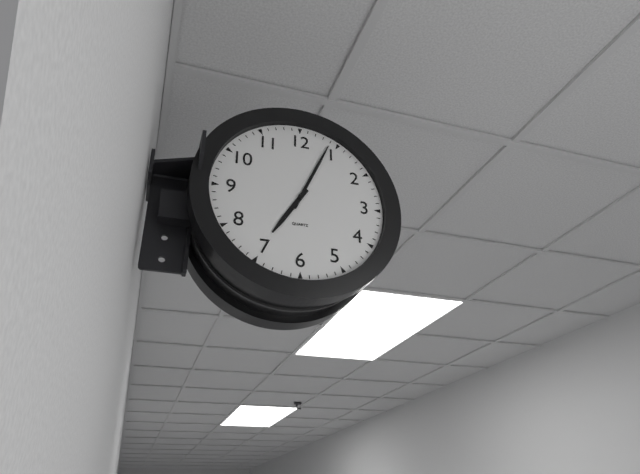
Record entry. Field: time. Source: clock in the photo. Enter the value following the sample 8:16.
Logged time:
7:04
